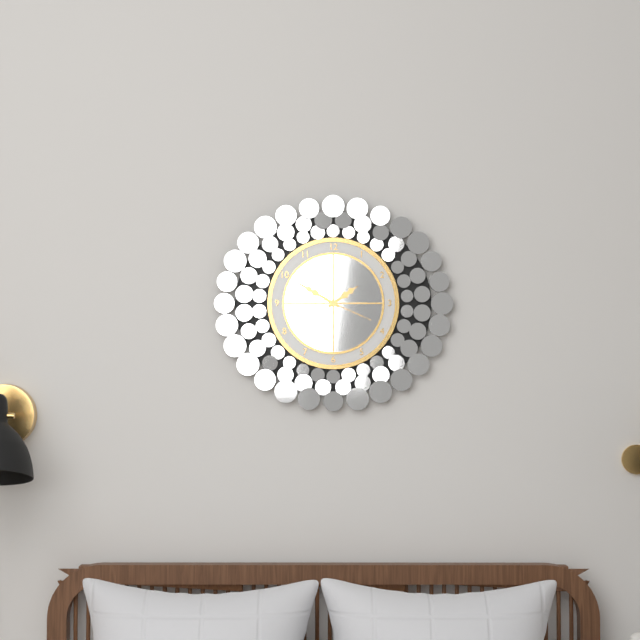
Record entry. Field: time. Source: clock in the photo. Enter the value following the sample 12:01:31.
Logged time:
1:50:19
